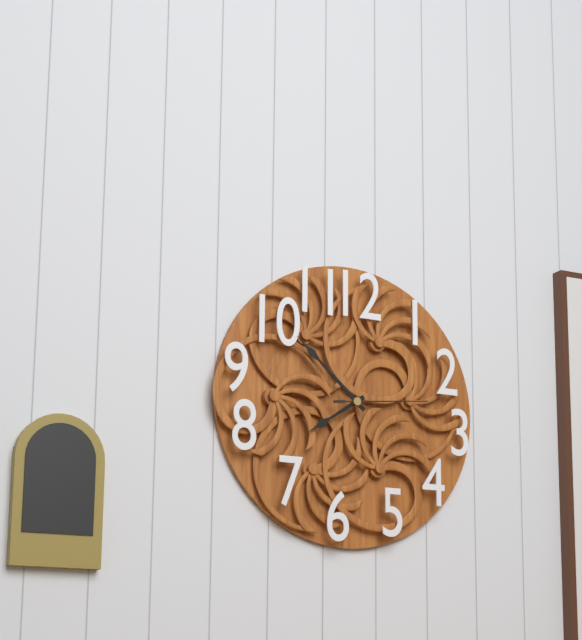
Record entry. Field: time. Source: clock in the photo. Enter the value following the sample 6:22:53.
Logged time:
7:52:14
